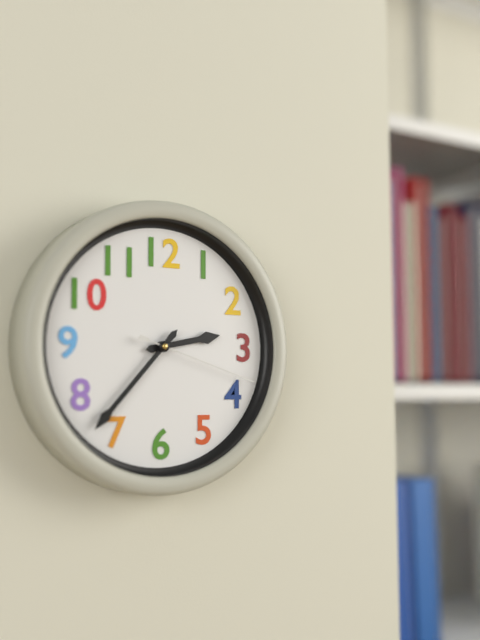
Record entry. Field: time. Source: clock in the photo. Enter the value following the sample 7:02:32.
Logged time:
2:37:18
